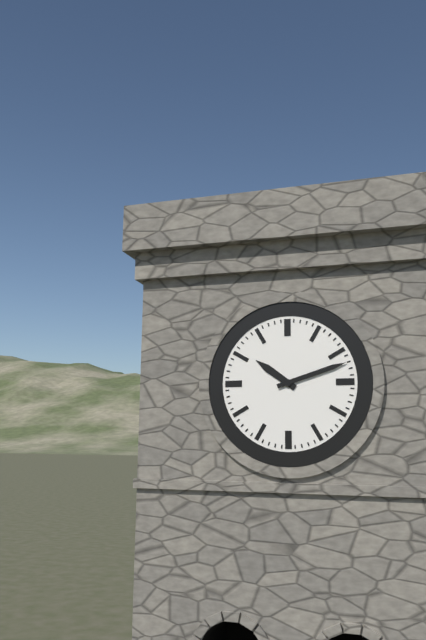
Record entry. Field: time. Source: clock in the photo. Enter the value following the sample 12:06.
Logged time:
10:12
